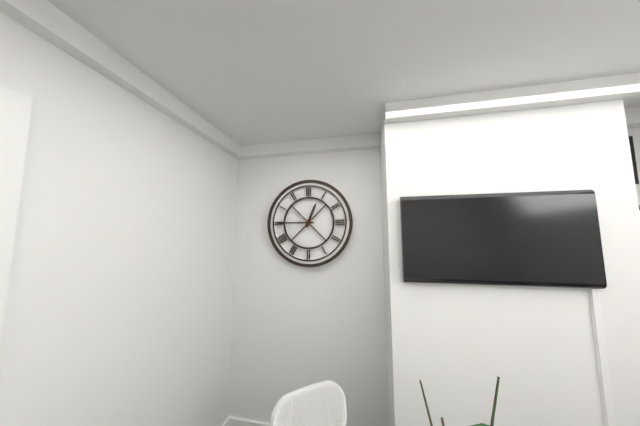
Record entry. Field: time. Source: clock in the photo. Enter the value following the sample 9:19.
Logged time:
12:45
